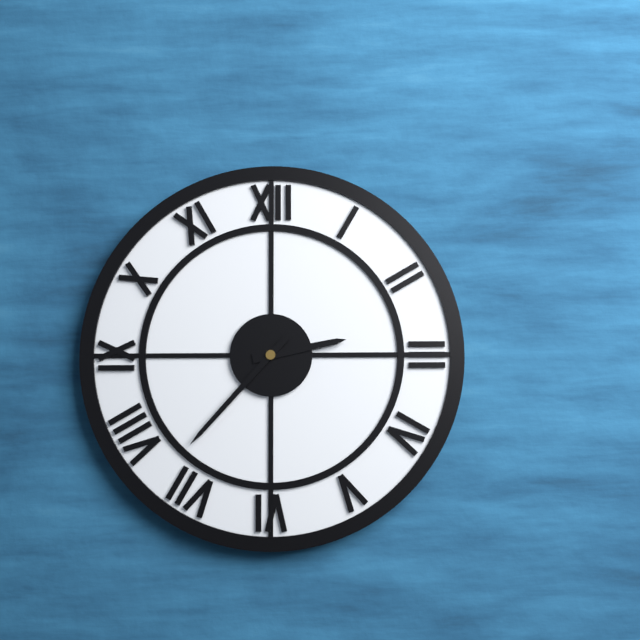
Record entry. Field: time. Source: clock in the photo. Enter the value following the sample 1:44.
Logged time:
2:37
